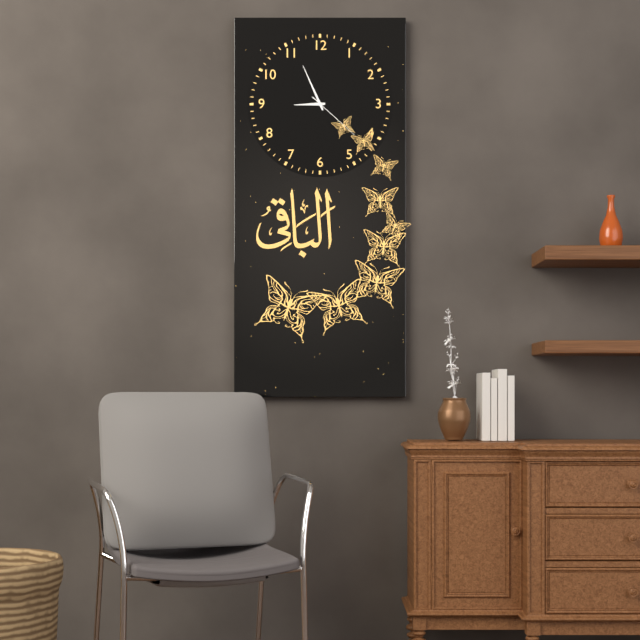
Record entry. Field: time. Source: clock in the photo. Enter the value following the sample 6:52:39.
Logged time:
8:56:22
